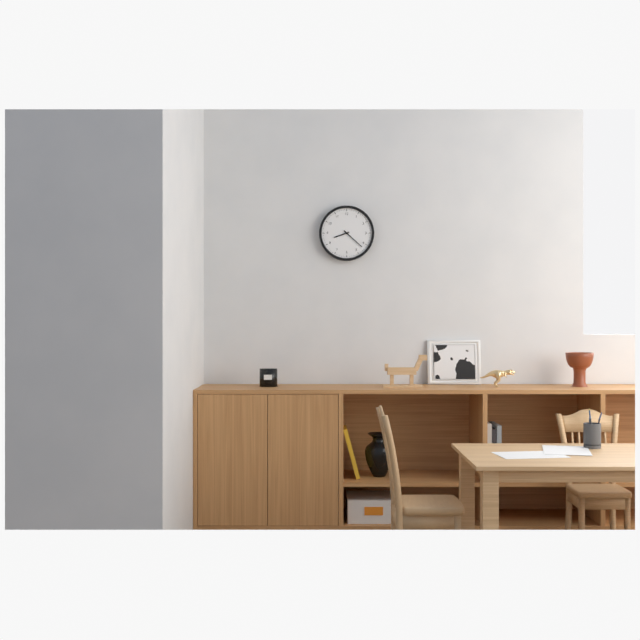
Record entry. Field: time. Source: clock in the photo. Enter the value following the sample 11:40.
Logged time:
8:22
